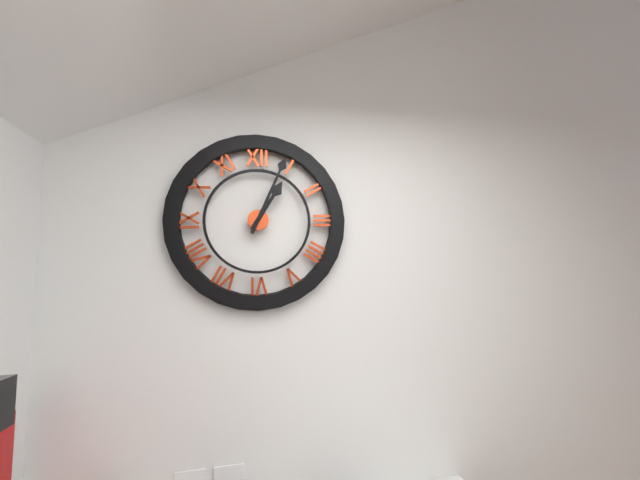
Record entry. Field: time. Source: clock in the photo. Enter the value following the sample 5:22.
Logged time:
1:04
